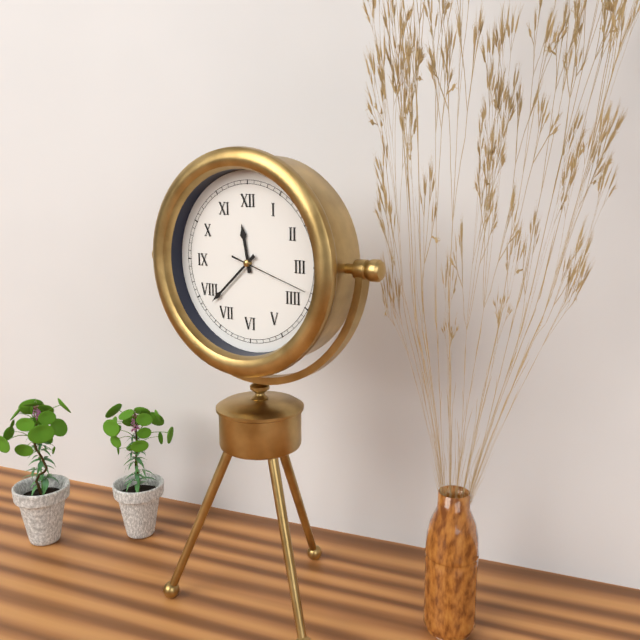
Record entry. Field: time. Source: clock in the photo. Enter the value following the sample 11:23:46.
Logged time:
11:38:18
